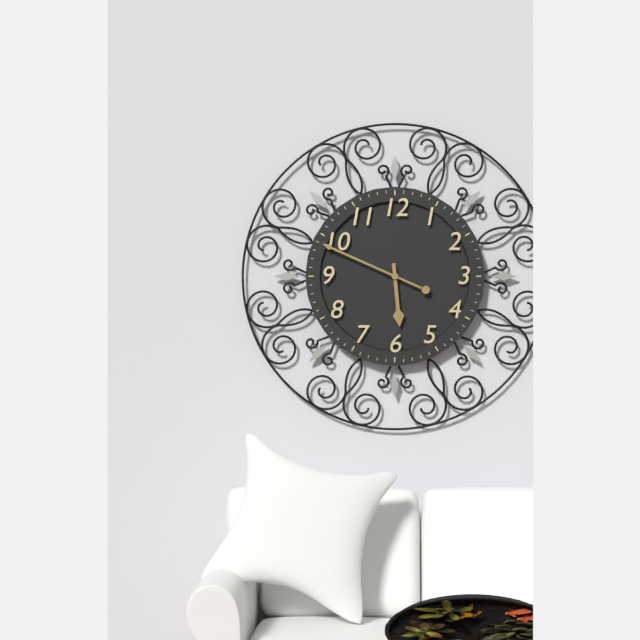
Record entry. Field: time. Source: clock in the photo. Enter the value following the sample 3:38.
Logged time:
5:49
